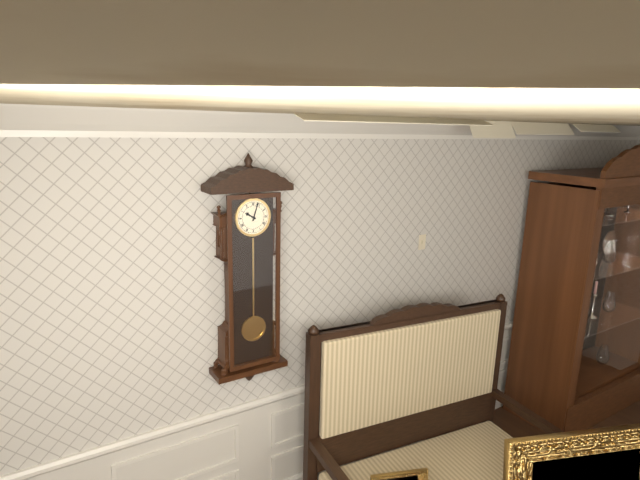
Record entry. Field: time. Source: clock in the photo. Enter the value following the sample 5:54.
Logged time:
10:03
